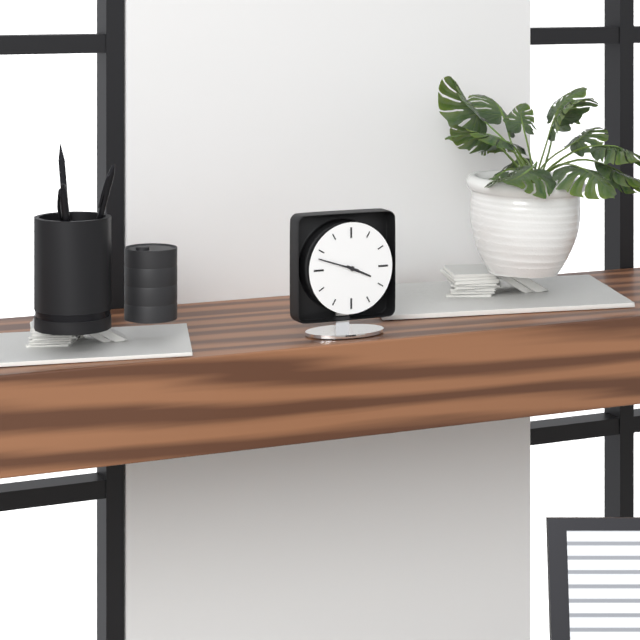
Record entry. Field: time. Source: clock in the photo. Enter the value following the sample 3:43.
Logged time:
3:48
